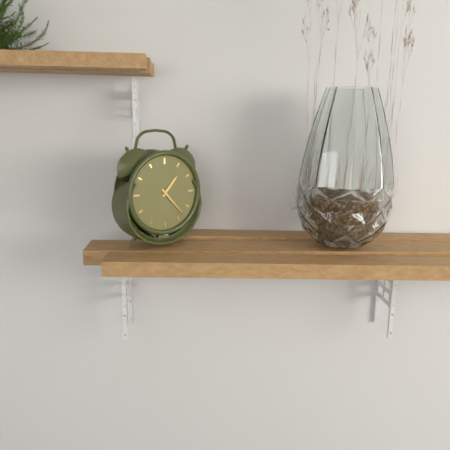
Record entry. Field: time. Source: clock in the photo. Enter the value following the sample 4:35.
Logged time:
1:23
